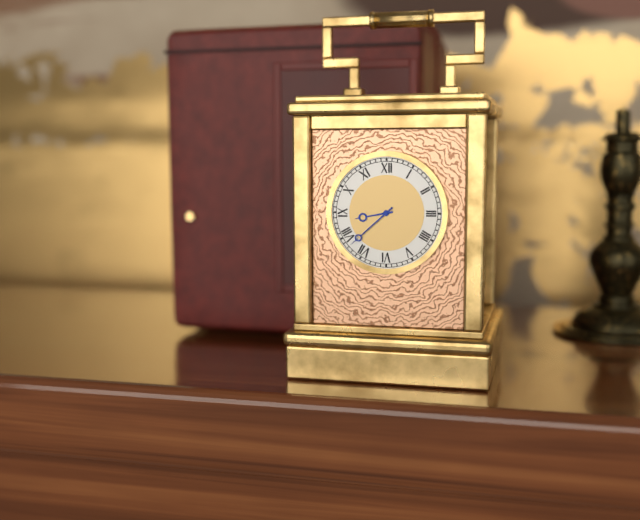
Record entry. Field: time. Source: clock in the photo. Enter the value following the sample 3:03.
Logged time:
8:38
